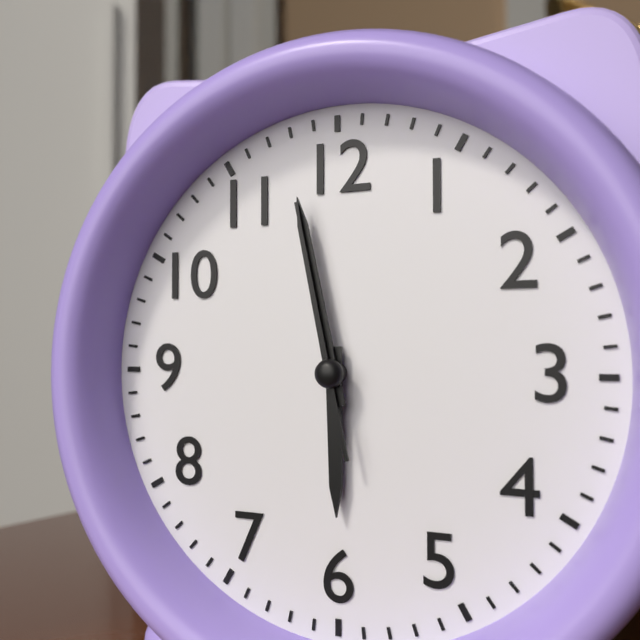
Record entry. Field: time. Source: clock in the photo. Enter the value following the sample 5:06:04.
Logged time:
5:58:58
